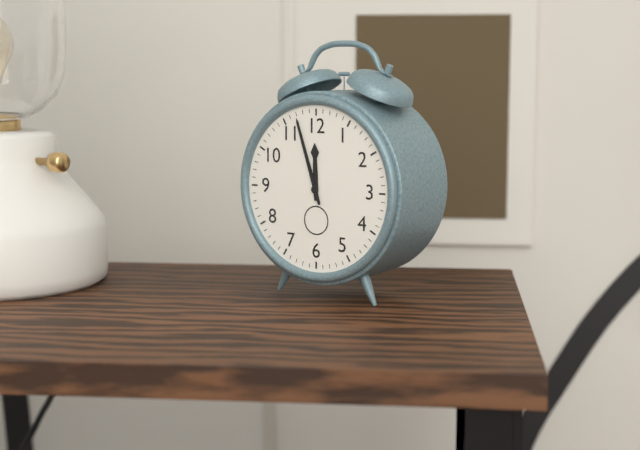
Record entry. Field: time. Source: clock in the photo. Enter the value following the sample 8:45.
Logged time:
11:57
